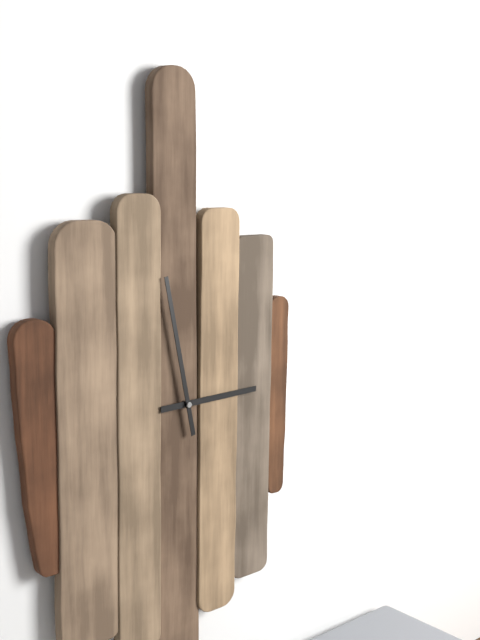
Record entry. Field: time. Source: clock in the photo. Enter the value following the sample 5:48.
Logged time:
2:58
